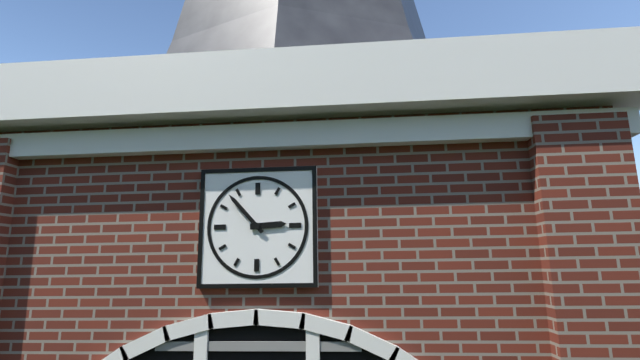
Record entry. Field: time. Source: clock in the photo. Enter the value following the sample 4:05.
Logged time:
2:53
